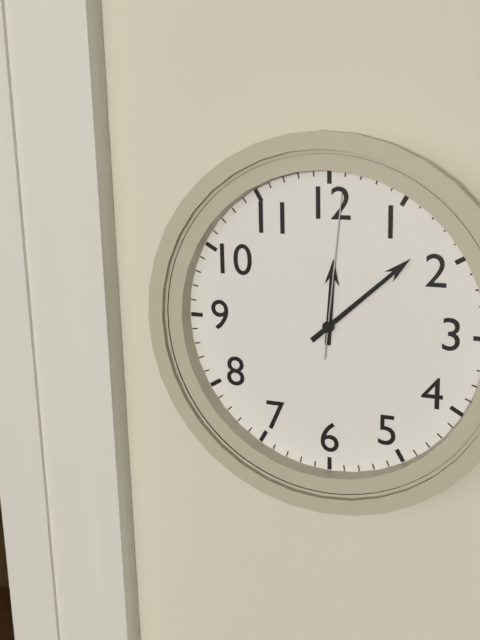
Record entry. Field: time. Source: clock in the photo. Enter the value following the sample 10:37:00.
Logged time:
12:08:01
